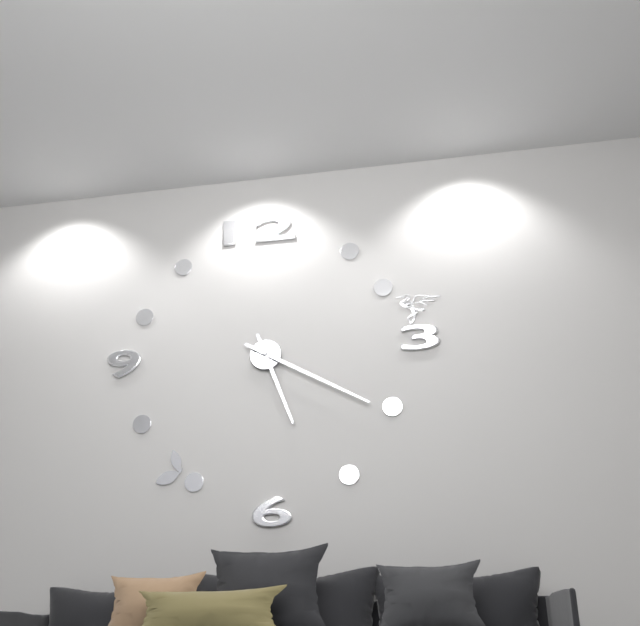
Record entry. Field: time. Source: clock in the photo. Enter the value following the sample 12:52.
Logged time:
5:20
